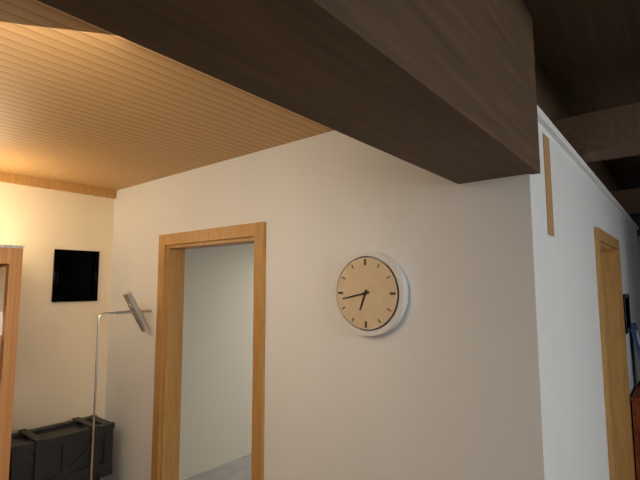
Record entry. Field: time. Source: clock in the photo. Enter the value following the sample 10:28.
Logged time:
6:43
